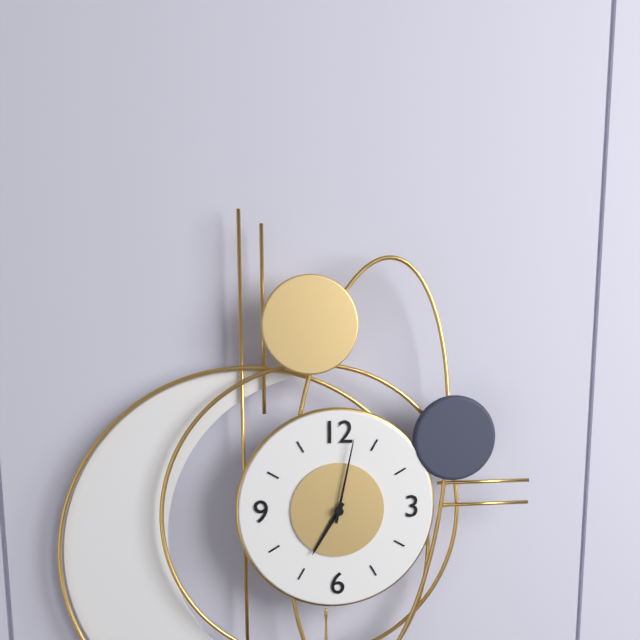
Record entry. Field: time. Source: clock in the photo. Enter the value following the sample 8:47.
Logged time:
7:02
